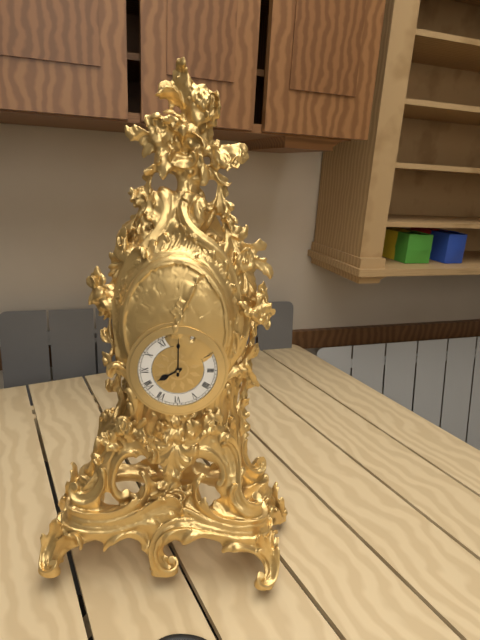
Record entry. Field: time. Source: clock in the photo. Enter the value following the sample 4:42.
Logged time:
8:00
